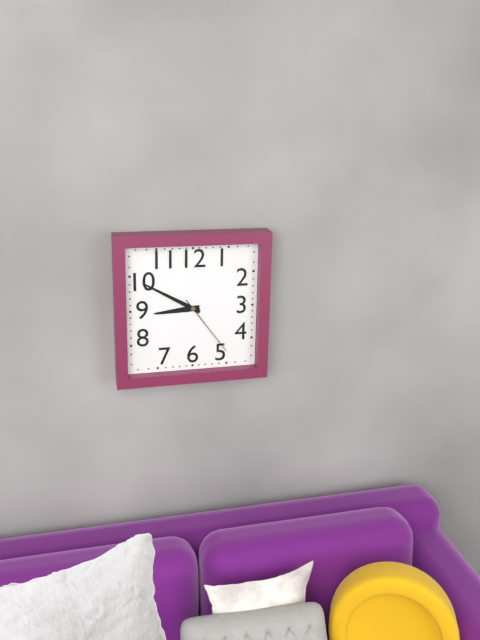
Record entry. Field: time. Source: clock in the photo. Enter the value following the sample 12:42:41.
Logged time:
8:50:24
